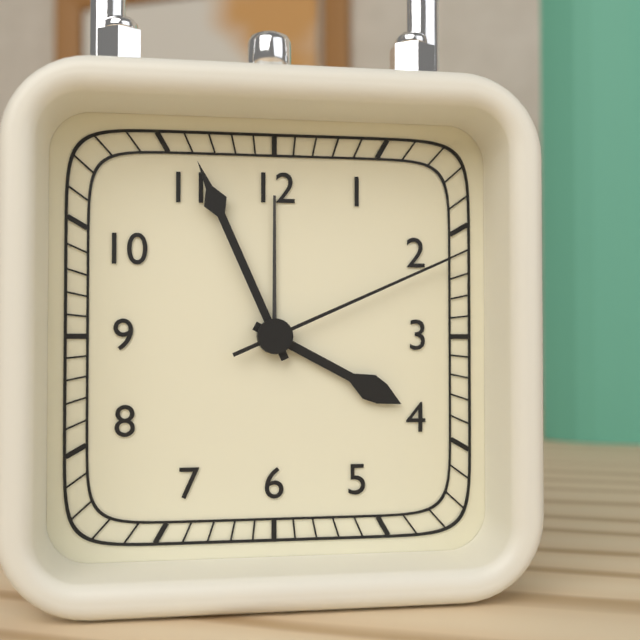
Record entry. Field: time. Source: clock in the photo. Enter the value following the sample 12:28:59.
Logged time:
3:56:11
